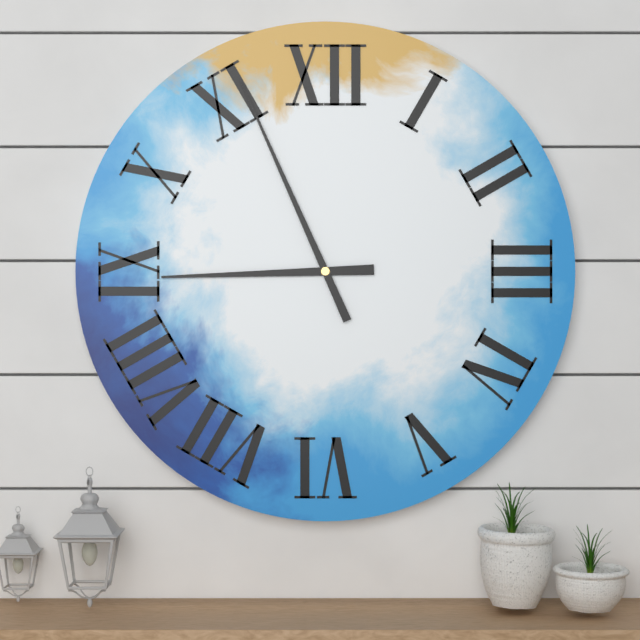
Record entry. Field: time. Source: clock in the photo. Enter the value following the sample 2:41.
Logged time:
8:56
